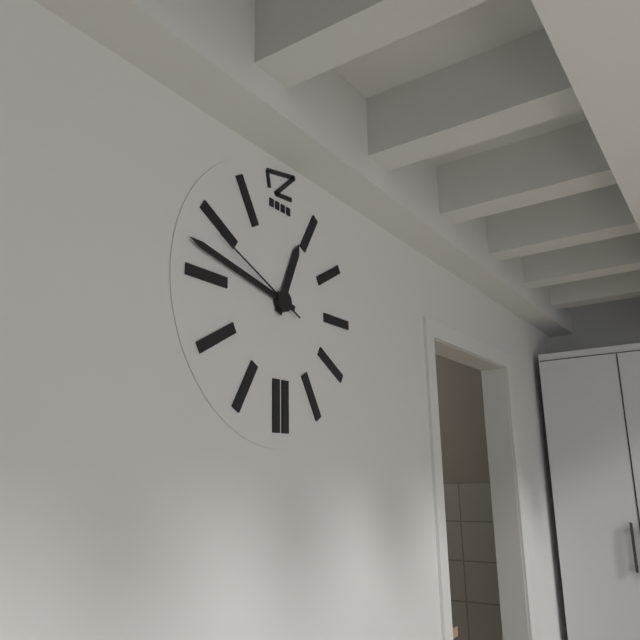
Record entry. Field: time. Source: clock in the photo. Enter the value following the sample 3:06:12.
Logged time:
12:47:49
